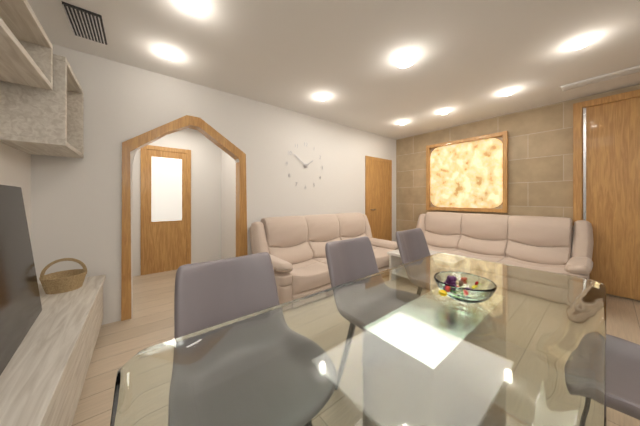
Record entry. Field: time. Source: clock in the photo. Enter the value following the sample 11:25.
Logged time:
1:51
